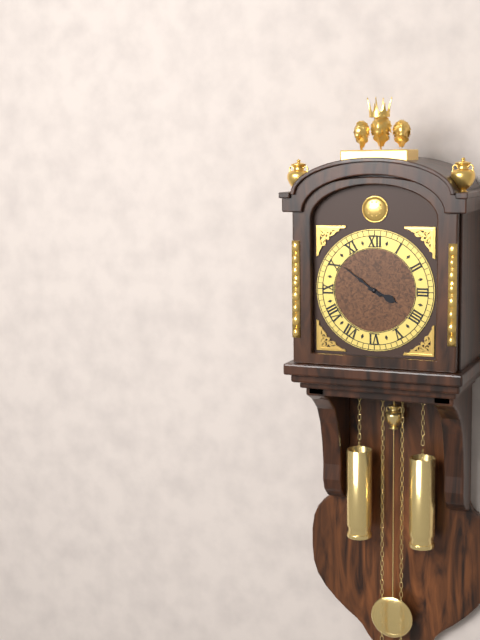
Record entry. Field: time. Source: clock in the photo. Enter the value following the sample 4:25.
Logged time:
3:51
